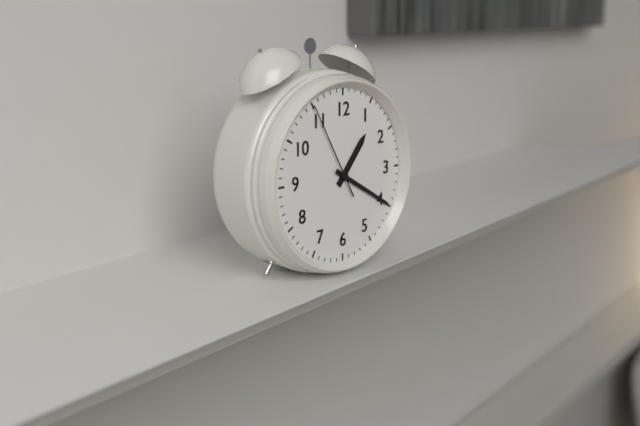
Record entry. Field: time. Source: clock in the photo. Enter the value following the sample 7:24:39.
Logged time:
1:20:55
